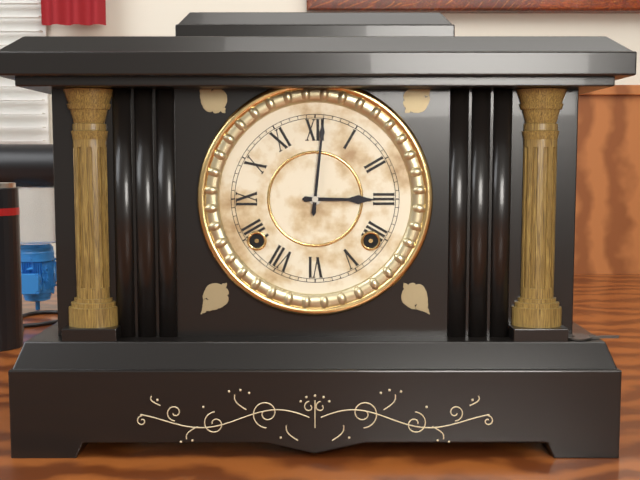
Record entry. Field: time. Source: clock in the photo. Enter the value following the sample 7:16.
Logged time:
3:01
